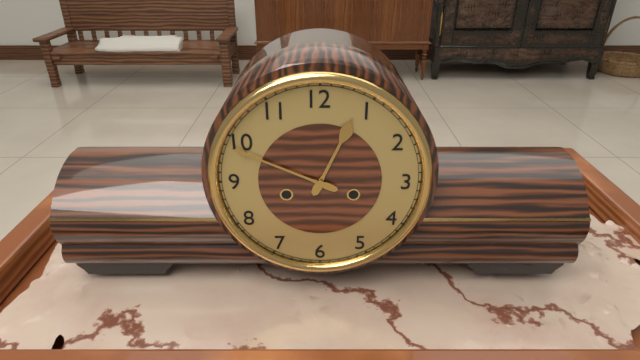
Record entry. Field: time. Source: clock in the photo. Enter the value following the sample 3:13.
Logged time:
12:49
